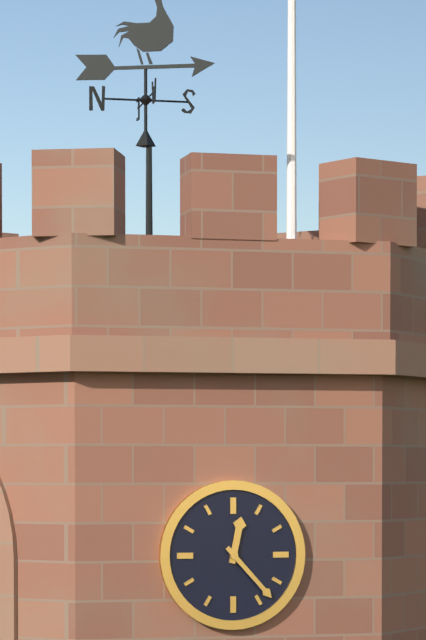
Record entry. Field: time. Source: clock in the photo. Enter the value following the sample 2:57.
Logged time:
12:23
